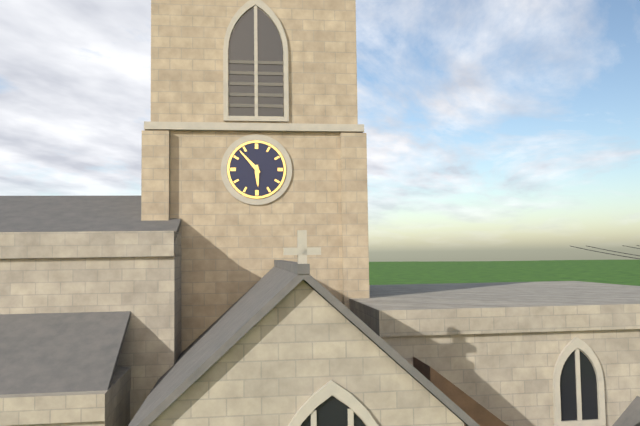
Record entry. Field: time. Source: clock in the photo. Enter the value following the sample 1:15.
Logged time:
5:53
